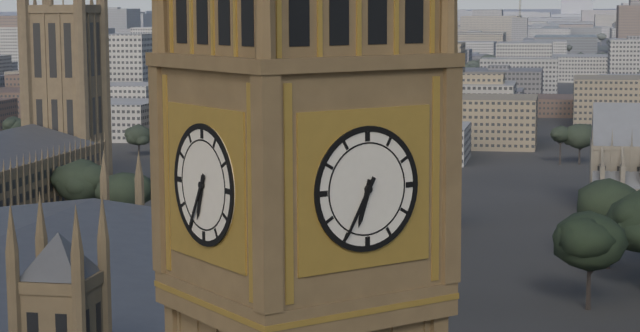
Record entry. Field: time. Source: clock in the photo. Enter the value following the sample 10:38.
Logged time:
6:35
